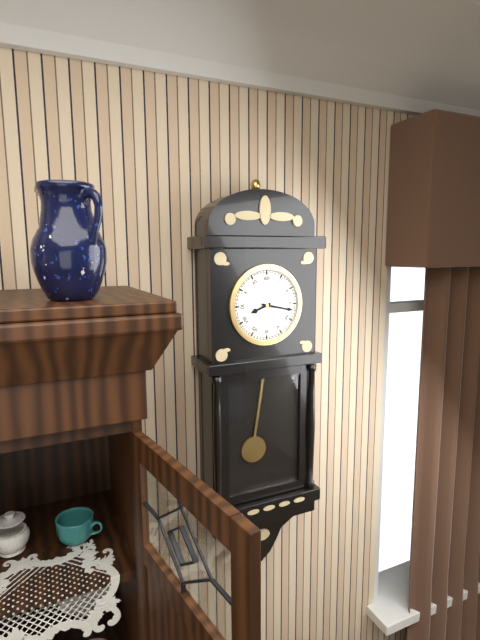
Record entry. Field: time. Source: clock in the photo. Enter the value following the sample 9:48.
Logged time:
8:17
